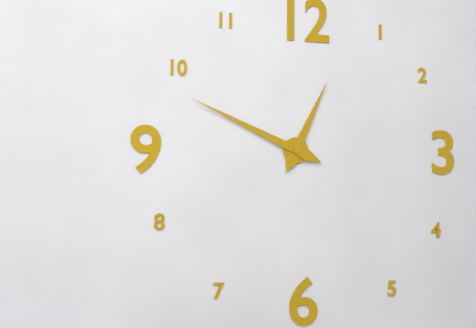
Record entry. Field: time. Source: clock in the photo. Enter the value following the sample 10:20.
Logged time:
12:49
